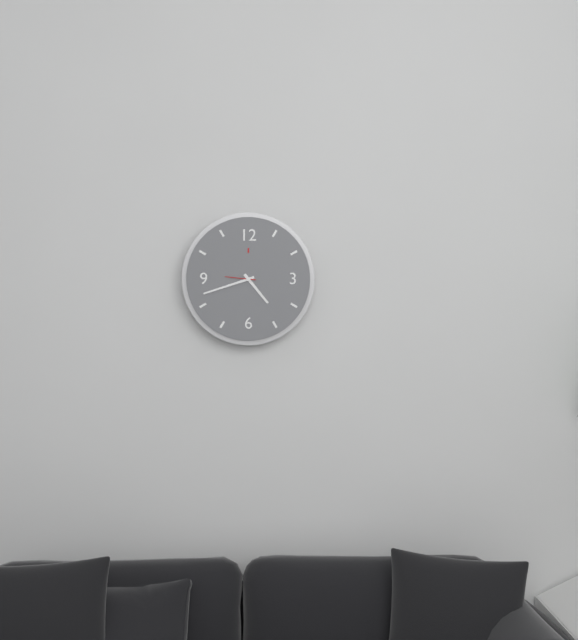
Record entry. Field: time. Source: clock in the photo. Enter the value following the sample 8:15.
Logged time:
4:42
